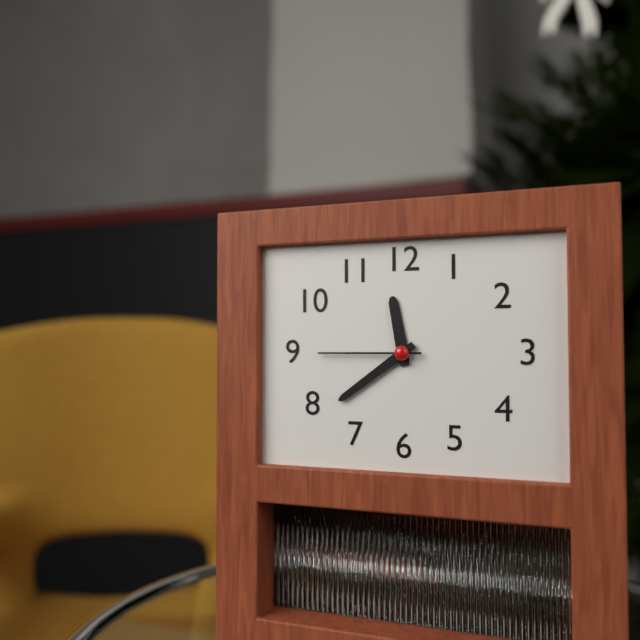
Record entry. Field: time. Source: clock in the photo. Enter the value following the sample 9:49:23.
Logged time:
11:39:45
